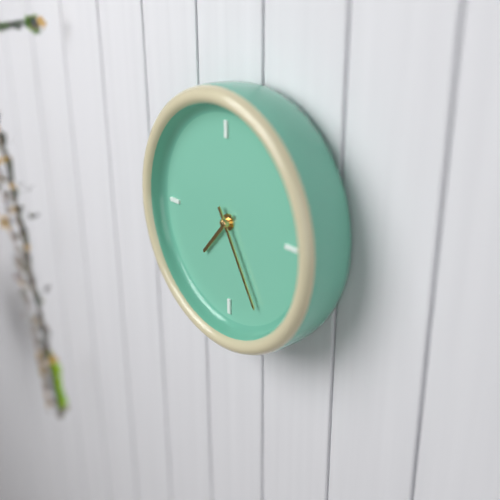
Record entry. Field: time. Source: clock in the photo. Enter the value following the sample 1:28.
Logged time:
7:25
